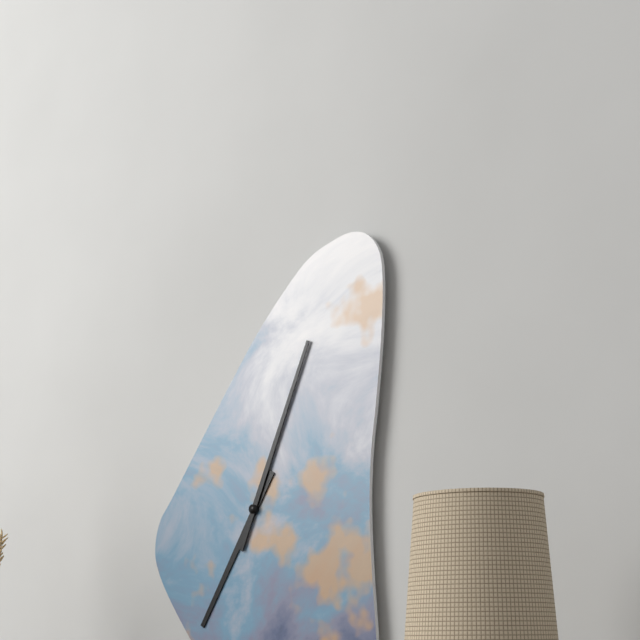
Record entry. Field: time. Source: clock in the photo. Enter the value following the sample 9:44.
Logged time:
7:04
